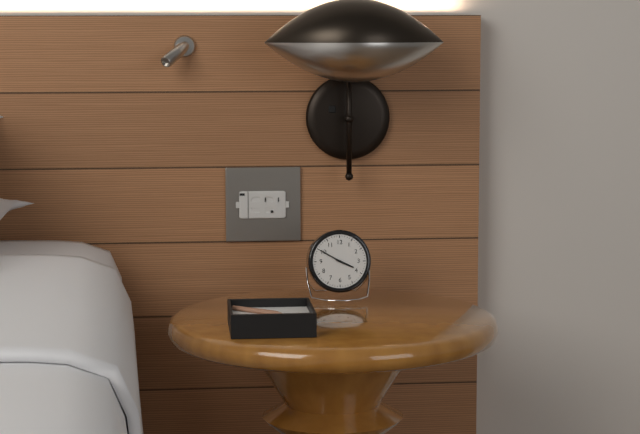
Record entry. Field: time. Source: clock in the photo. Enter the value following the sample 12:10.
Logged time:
3:50
